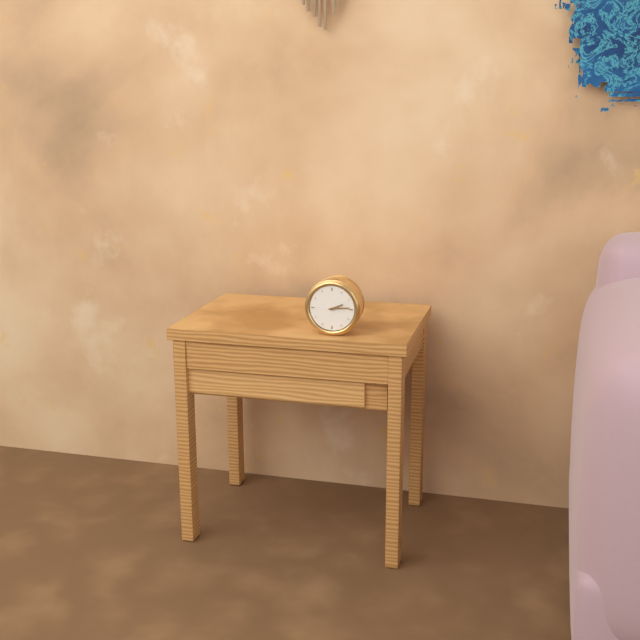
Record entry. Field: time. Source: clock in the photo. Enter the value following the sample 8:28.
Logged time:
2:14
